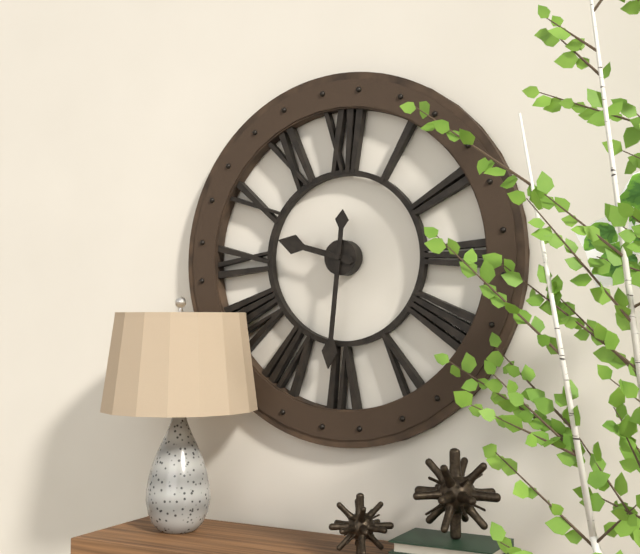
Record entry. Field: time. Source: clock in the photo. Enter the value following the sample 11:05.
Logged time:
9:31
